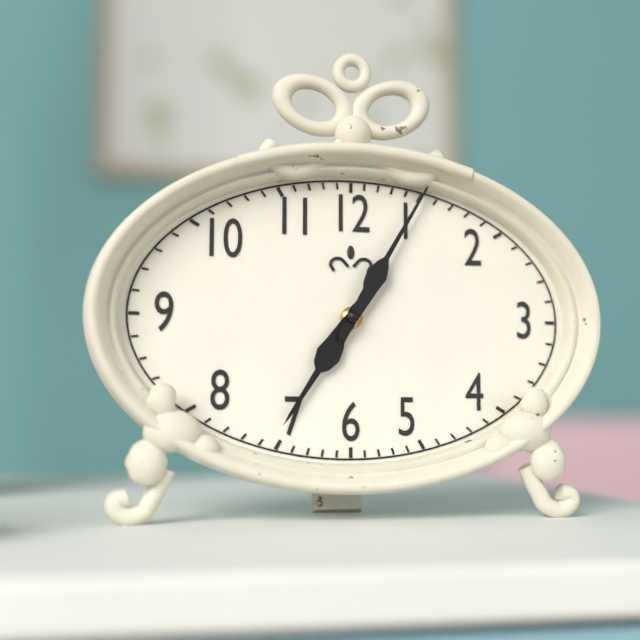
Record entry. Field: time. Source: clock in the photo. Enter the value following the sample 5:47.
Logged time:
7:05
